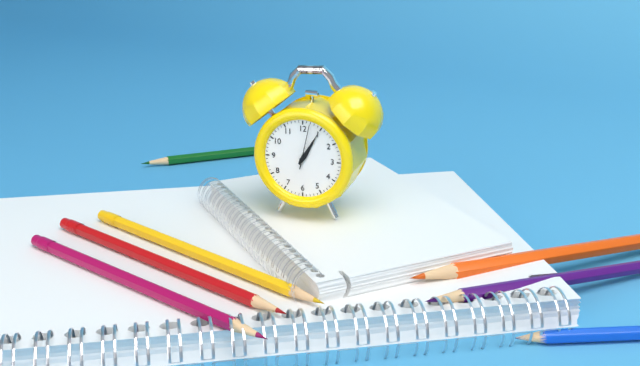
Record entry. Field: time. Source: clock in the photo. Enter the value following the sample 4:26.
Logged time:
1:05
